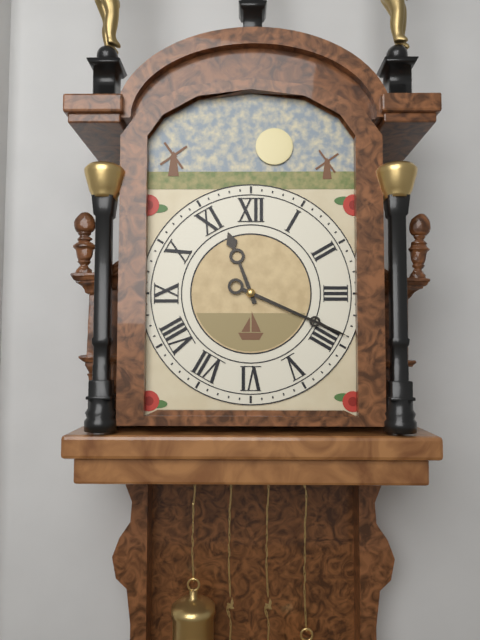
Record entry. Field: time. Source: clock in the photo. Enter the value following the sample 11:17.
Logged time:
11:19
